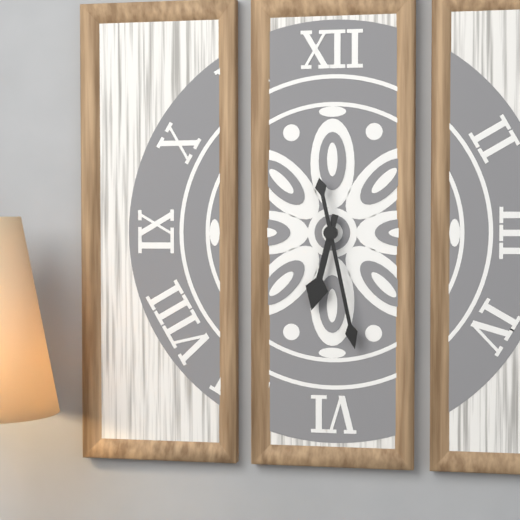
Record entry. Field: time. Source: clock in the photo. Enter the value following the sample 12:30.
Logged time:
6:28
